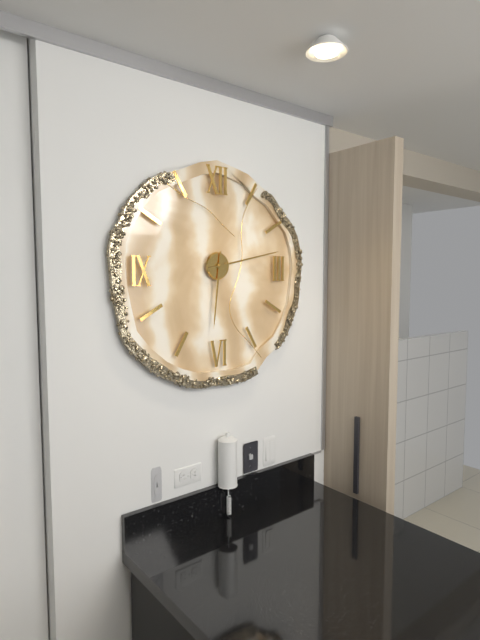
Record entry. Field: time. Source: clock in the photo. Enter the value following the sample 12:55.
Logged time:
6:13
